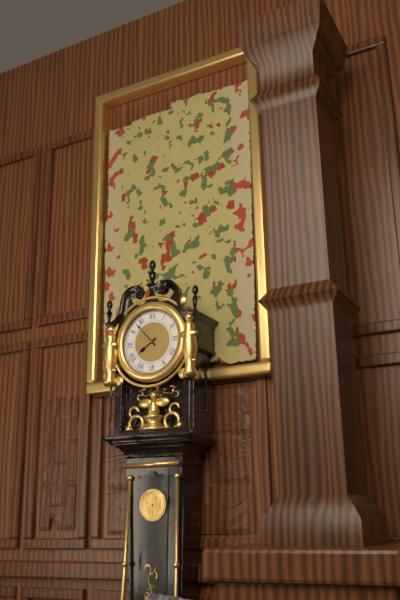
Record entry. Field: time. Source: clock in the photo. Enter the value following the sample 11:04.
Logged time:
7:53
